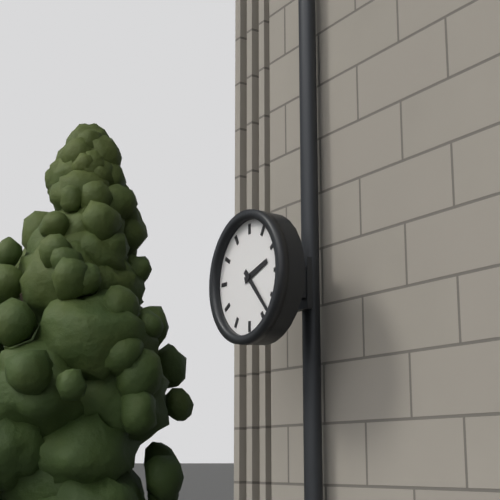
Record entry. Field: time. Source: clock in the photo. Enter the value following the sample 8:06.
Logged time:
2:23
